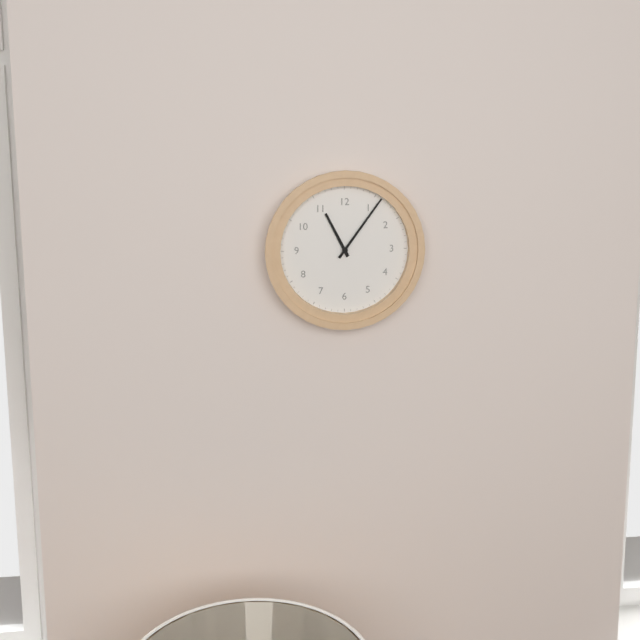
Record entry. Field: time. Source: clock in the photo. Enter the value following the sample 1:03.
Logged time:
11:06
